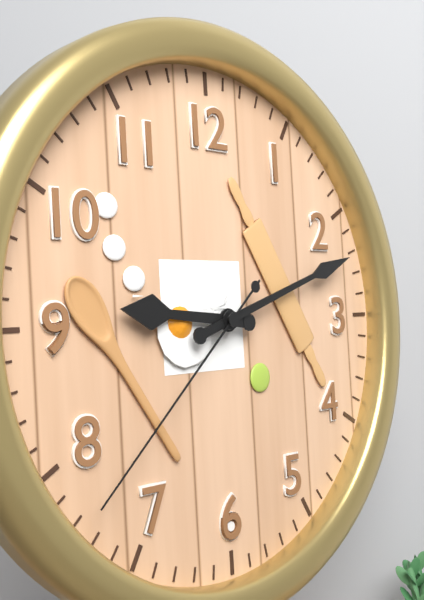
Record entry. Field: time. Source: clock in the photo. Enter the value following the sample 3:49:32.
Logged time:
9:12:38
